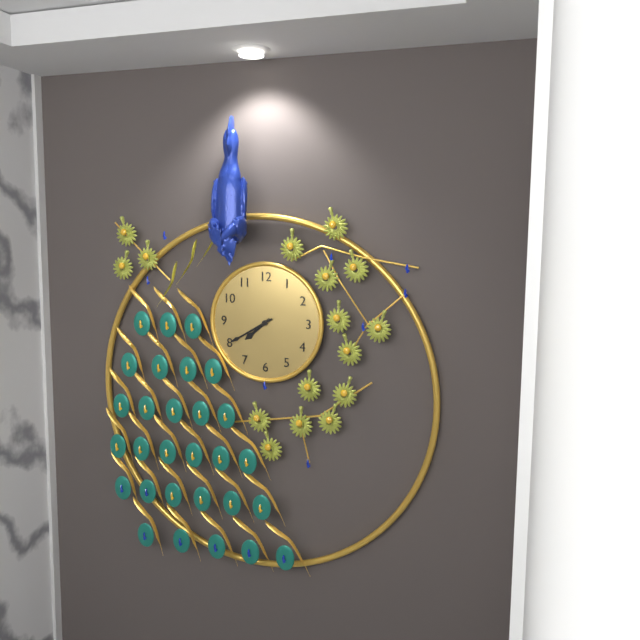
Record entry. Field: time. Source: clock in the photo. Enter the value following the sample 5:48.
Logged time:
7:40
